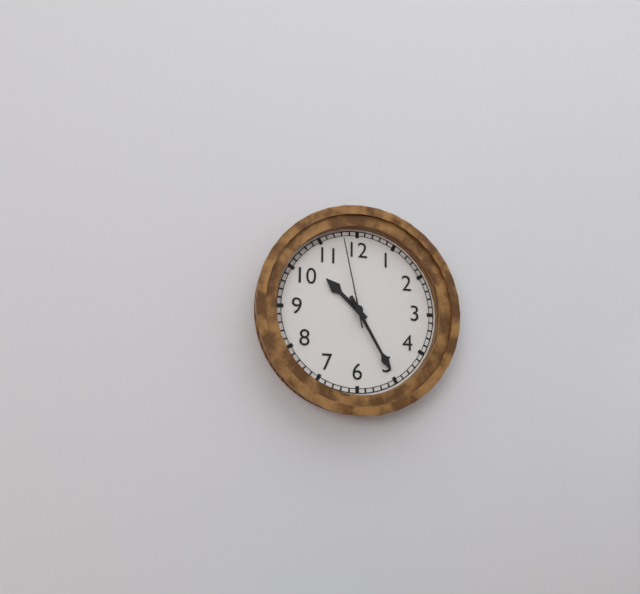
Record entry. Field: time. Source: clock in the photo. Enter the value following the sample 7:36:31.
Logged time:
10:25:58
